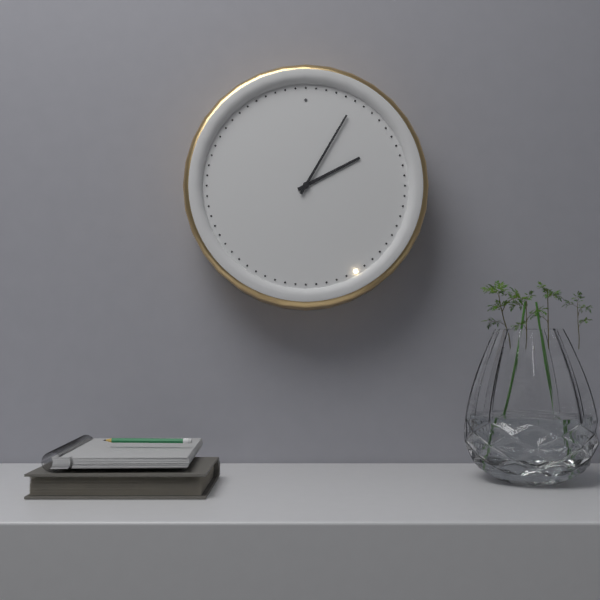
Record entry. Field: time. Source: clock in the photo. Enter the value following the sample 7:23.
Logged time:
2:05
